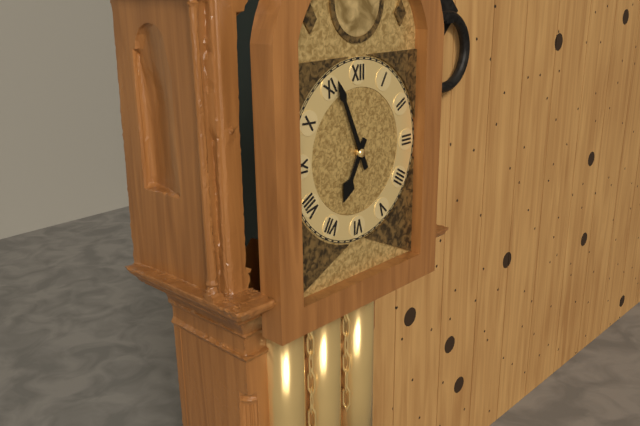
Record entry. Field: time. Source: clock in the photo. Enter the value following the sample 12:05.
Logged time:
6:56
